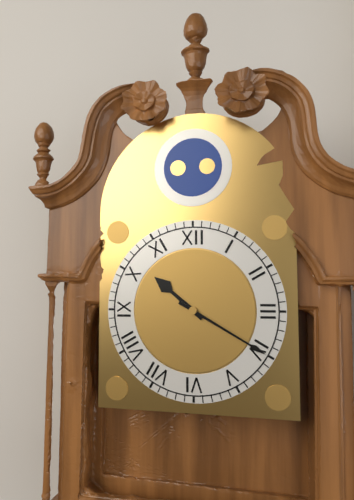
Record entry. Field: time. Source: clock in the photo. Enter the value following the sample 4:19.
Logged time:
10:20
